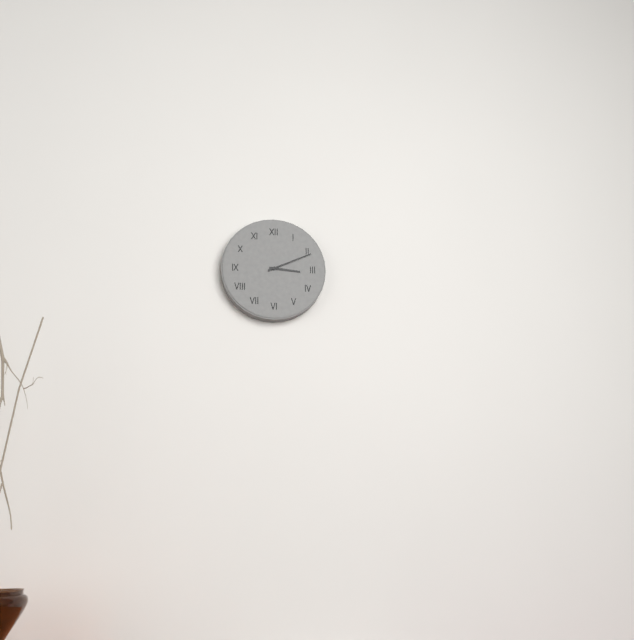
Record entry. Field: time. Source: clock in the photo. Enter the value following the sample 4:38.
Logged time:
3:11
